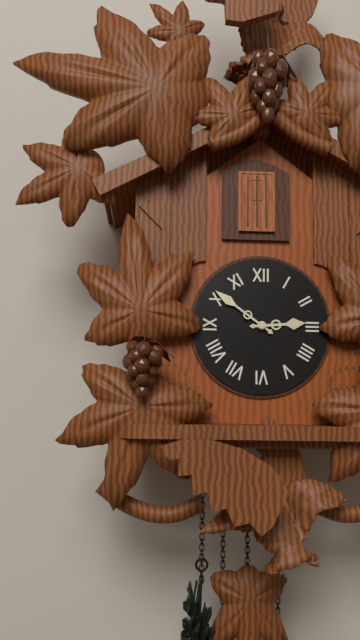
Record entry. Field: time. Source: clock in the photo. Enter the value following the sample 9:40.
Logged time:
2:51
